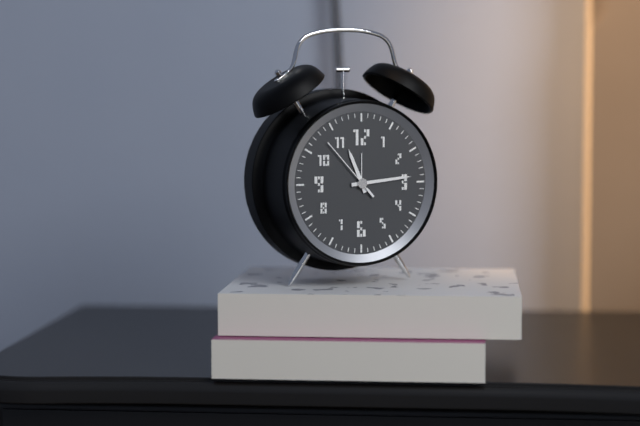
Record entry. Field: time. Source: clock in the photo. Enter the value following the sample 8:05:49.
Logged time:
11:14:53
